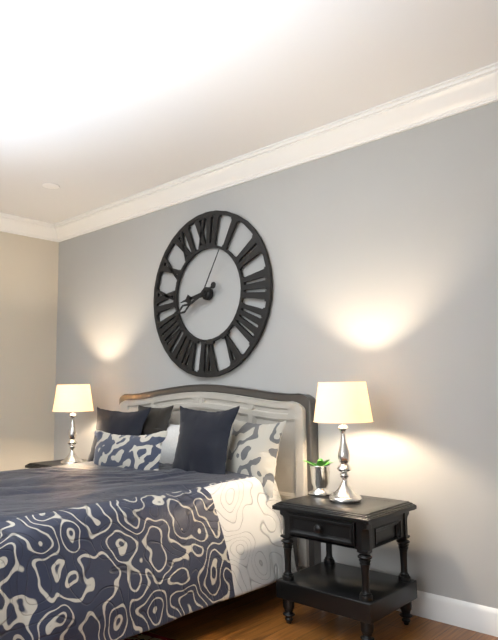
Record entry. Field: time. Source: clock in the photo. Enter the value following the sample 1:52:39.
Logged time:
8:41:05
